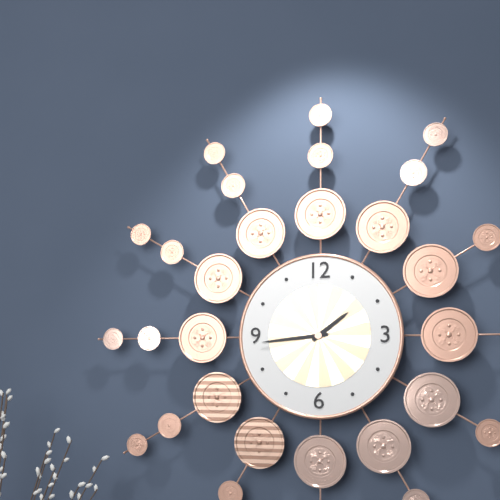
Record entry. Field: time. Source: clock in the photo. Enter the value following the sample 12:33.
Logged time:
1:44
